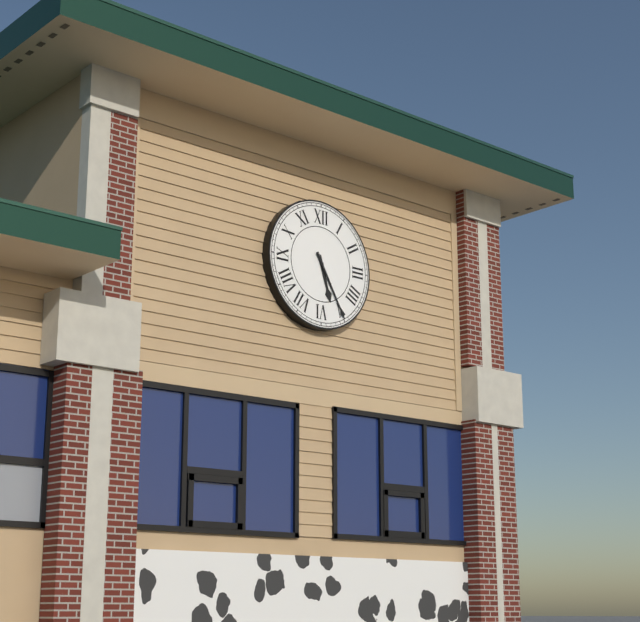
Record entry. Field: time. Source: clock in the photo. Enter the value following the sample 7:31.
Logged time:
5:25
